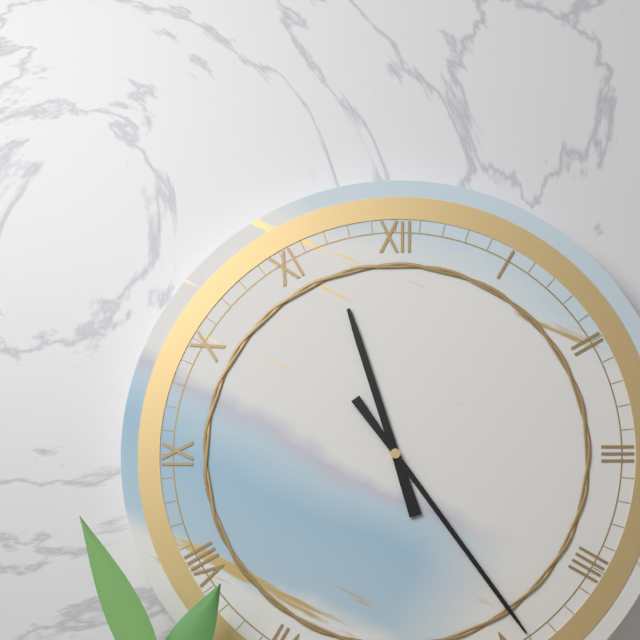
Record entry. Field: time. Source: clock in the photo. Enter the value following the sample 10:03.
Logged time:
11:24
